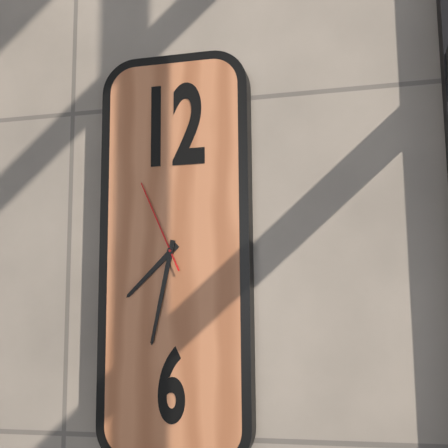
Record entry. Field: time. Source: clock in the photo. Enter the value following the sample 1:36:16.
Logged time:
7:32:56
